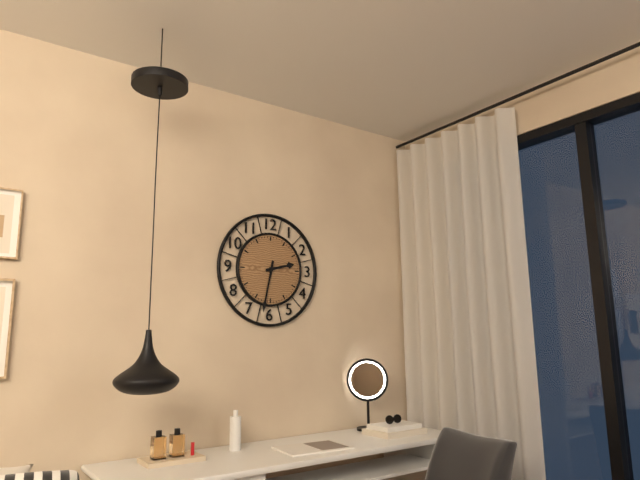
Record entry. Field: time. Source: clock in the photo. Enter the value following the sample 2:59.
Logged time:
2:32
